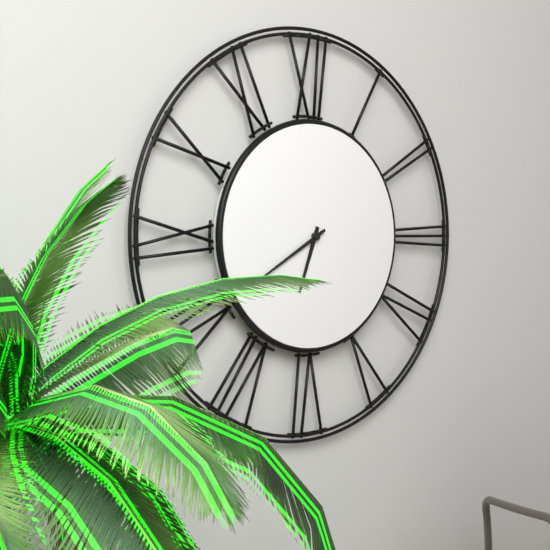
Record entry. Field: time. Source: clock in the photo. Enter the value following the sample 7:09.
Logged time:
6:40
